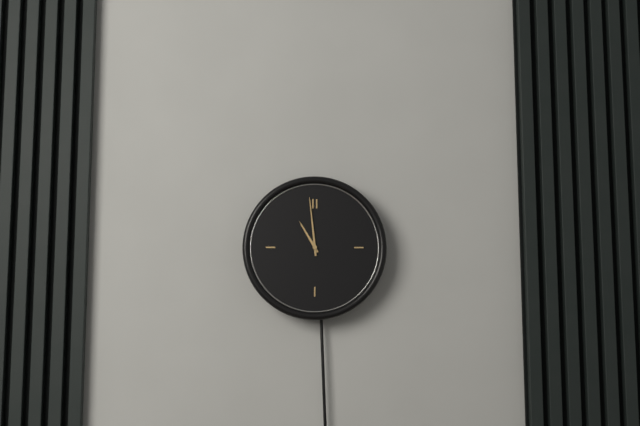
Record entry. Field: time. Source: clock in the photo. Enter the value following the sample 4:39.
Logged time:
10:59
